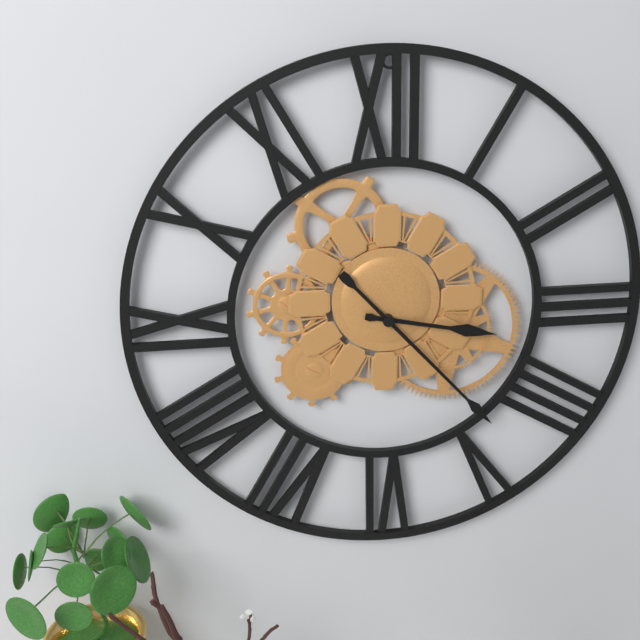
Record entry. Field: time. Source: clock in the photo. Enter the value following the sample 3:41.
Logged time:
3:23
